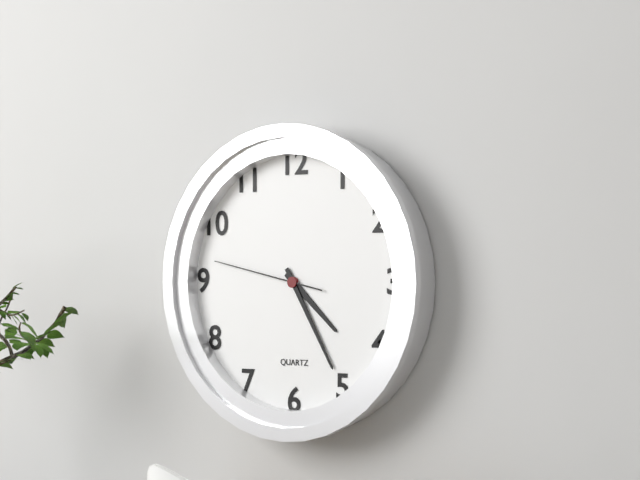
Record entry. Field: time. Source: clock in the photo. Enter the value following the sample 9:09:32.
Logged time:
4:25:47
